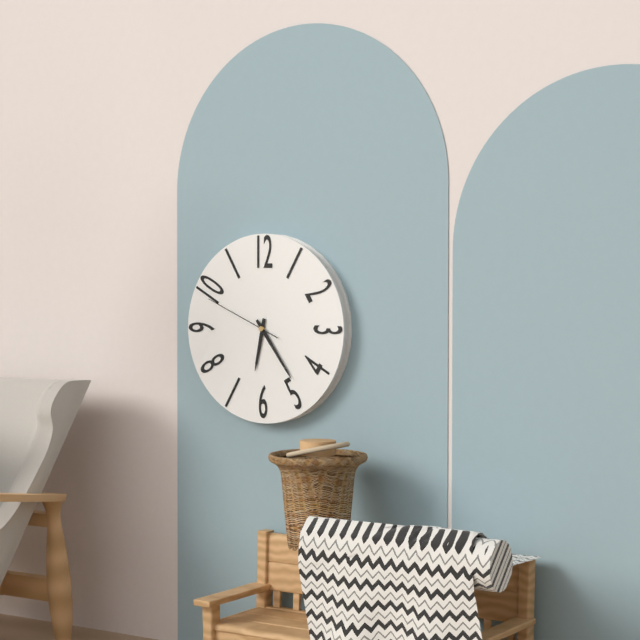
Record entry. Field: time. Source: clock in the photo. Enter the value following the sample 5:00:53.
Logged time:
6:24:49
